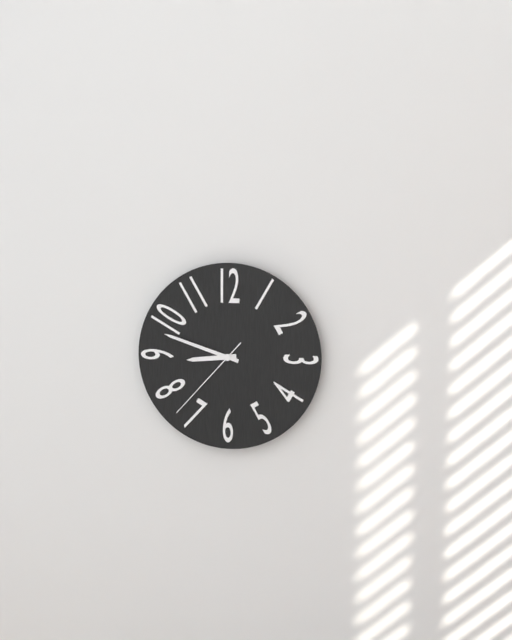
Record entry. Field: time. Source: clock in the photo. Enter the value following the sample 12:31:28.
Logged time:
8:48:37
